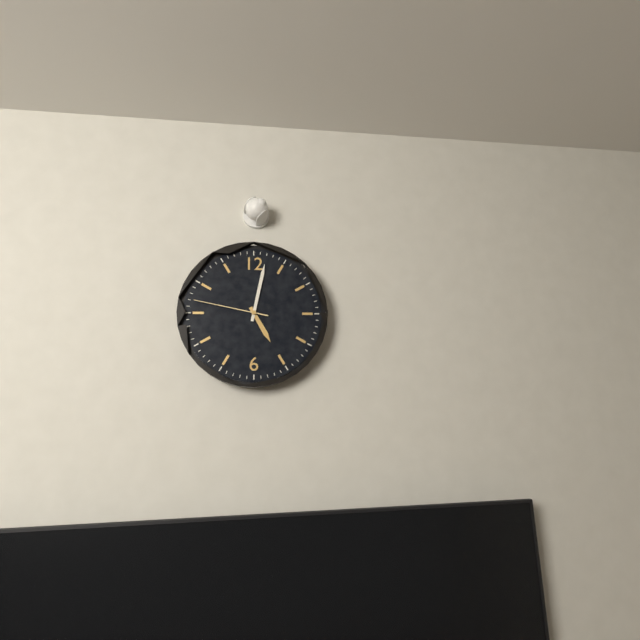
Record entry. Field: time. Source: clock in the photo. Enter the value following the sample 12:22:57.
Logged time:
5:02:47
